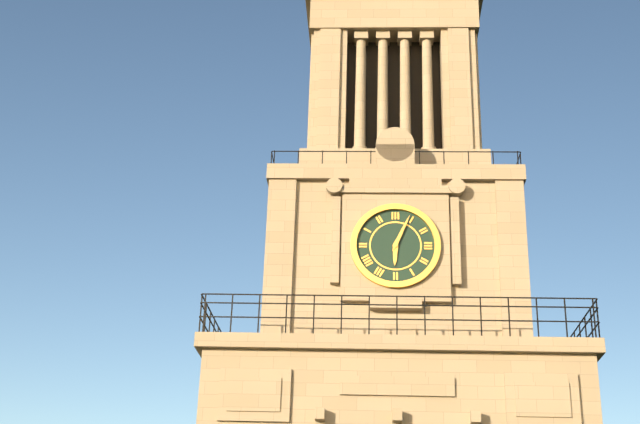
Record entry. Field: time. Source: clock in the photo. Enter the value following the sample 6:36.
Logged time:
6:04
